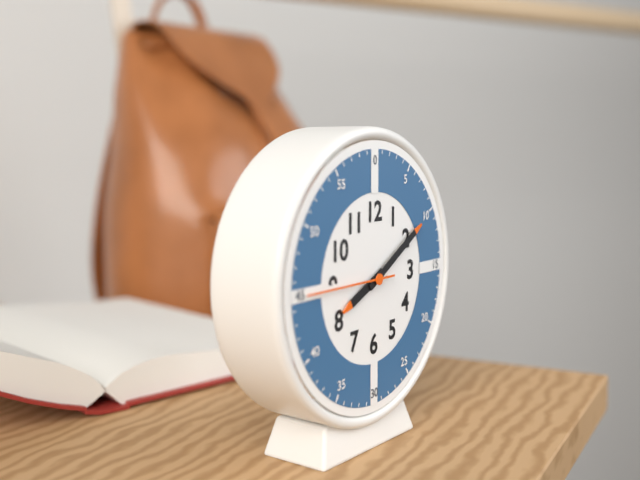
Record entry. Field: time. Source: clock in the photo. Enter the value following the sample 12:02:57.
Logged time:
8:10:45
